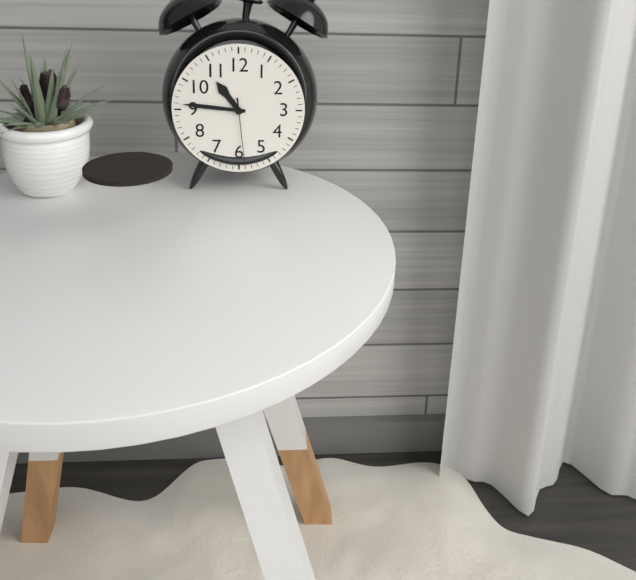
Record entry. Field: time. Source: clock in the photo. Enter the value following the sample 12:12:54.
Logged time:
10:46:29
